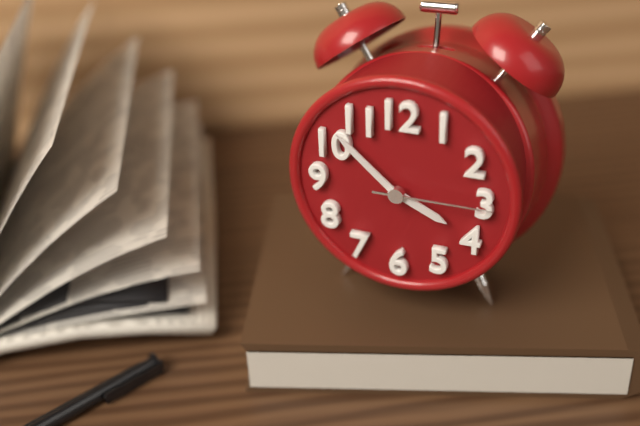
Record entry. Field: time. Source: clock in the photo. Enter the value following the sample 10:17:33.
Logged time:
3:52:15
